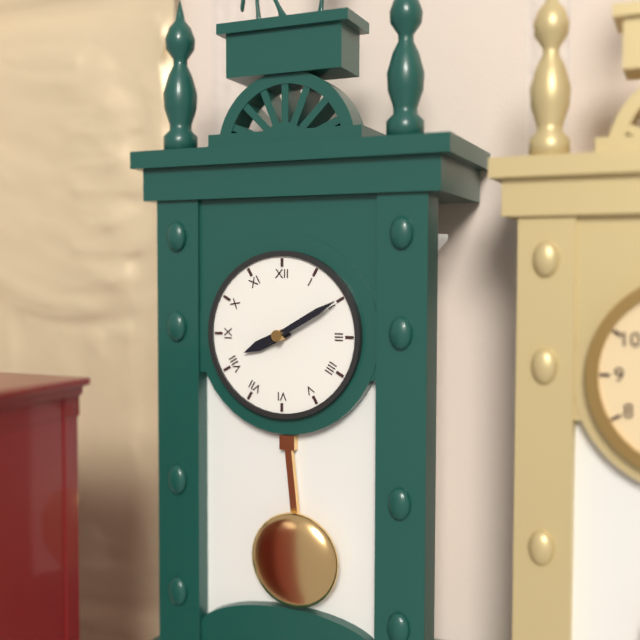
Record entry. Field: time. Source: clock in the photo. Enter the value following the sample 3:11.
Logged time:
8:10
